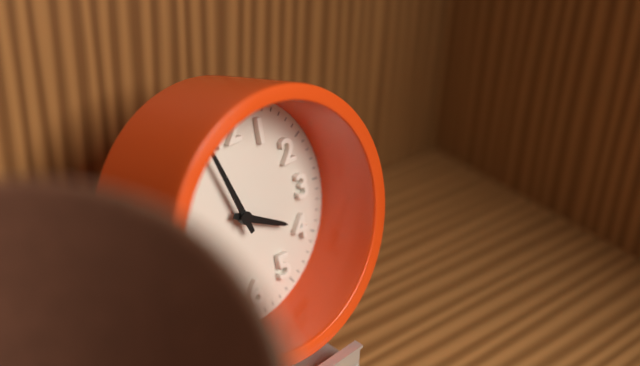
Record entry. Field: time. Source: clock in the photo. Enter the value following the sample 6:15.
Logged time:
3:57
